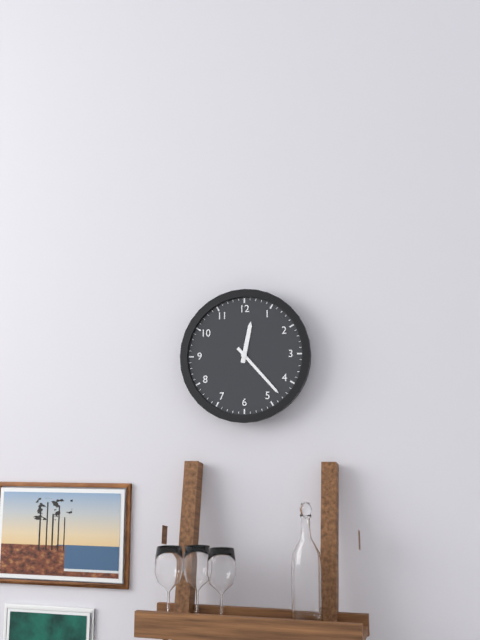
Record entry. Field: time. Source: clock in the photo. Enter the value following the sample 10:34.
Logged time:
12:23
